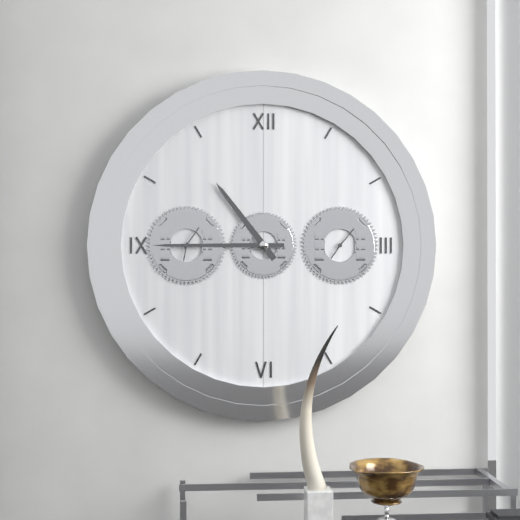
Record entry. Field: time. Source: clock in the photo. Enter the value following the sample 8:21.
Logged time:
10:45
